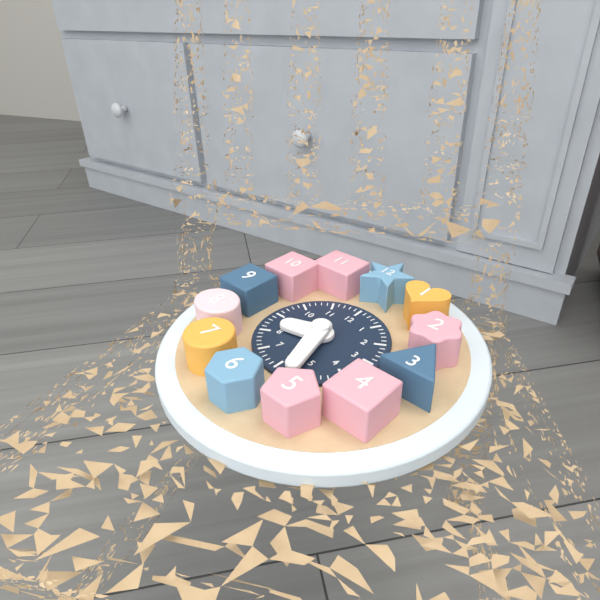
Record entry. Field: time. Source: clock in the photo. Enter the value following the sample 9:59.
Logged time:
8:27
